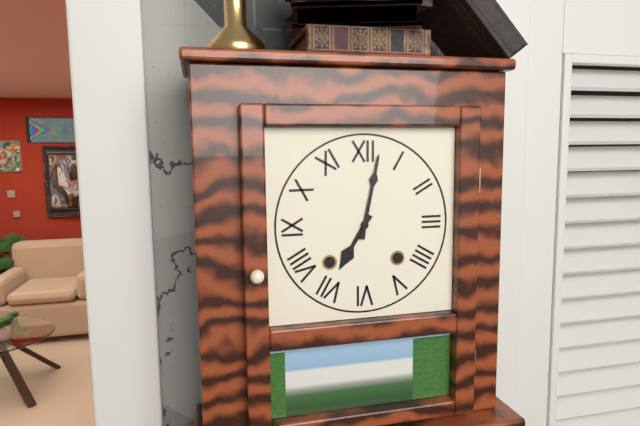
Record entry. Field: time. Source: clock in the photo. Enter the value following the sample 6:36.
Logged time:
7:02
